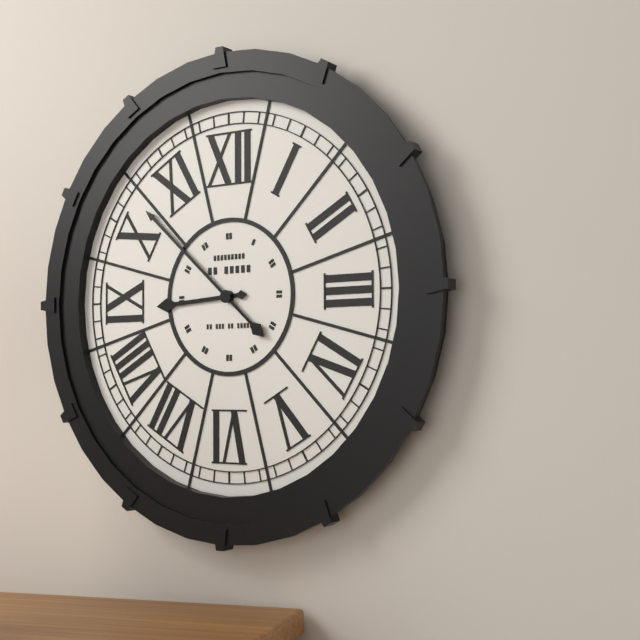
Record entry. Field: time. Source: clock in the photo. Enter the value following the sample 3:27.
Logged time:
8:52
